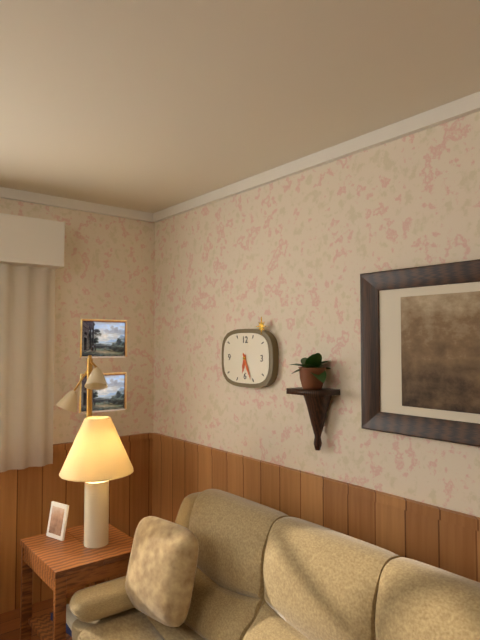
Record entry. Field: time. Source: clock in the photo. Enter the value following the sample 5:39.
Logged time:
6:26
